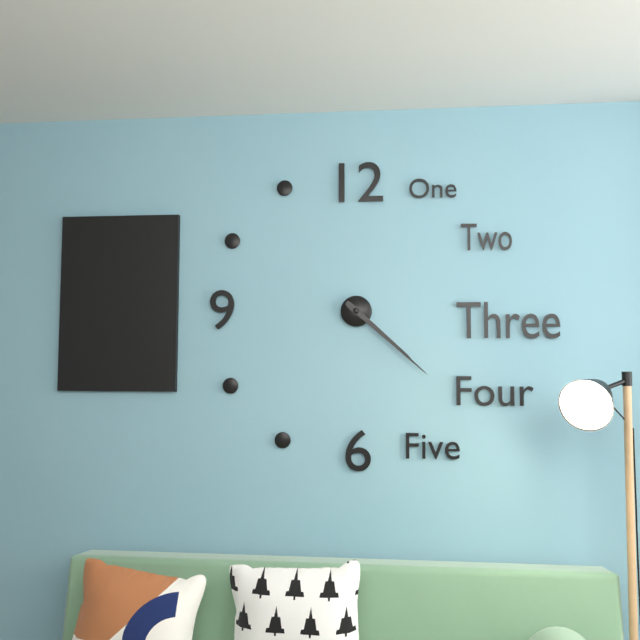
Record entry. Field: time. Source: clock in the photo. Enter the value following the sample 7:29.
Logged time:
4:22
